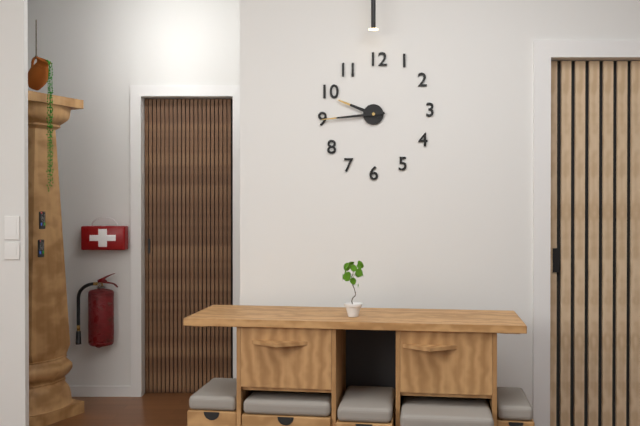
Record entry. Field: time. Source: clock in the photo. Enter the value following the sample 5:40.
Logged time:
9:44
